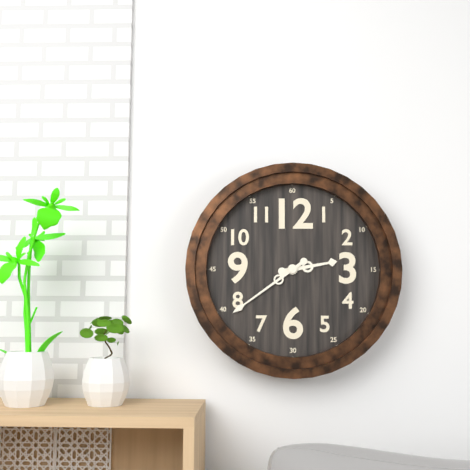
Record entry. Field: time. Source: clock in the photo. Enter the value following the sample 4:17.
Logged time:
2:39
